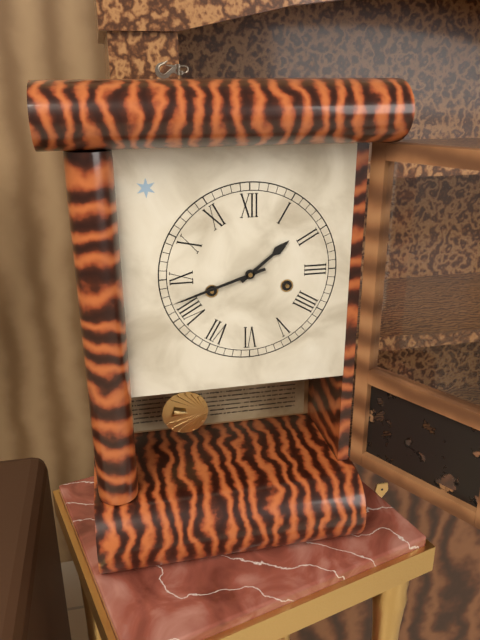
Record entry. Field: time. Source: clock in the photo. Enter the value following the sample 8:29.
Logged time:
1:42
